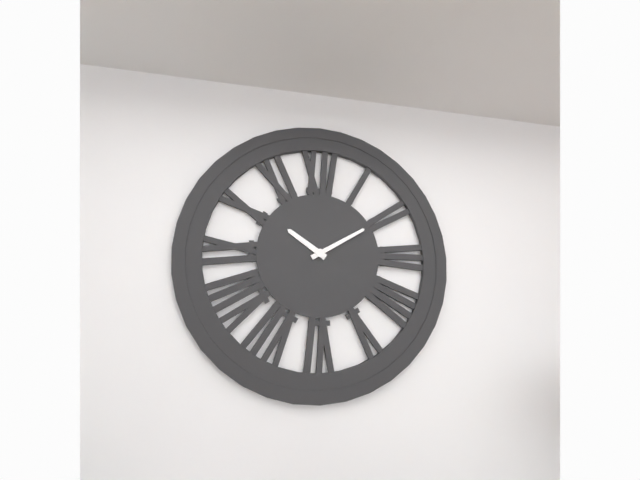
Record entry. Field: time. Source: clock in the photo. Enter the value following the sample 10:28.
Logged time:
10:10
